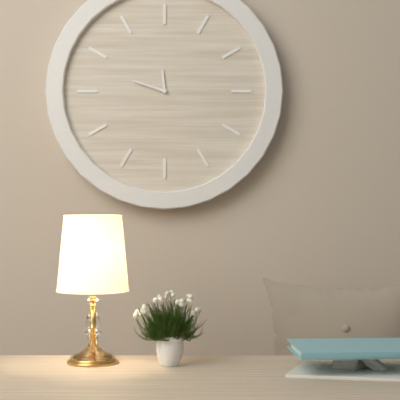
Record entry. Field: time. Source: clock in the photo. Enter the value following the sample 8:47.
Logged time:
11:48
